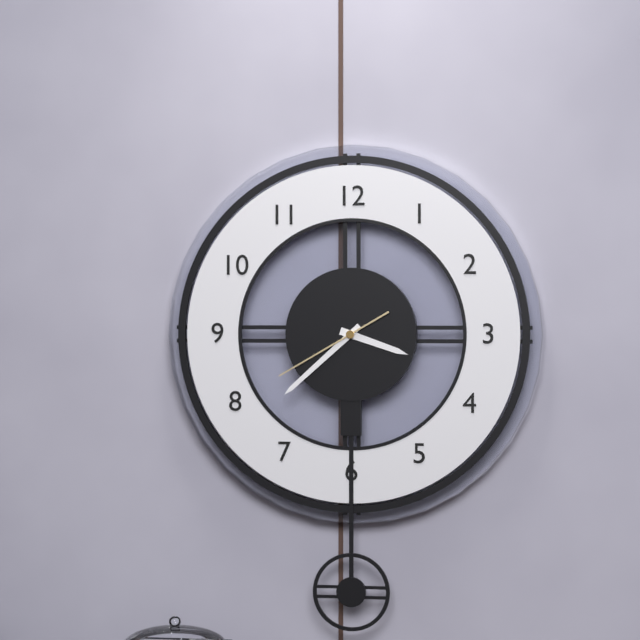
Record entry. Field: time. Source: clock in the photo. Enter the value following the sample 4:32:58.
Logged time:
3:38:40
